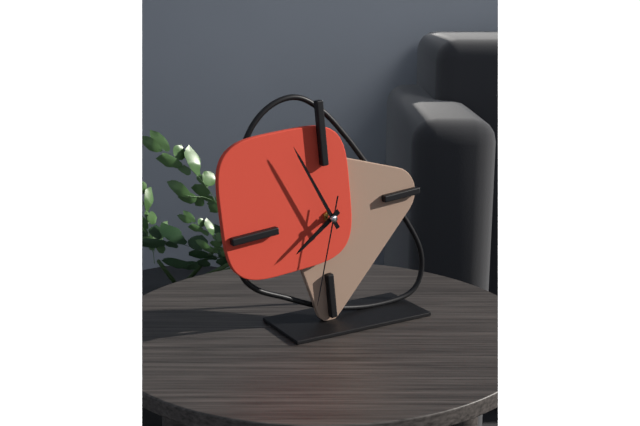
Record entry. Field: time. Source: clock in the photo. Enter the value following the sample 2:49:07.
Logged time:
7:56:33
